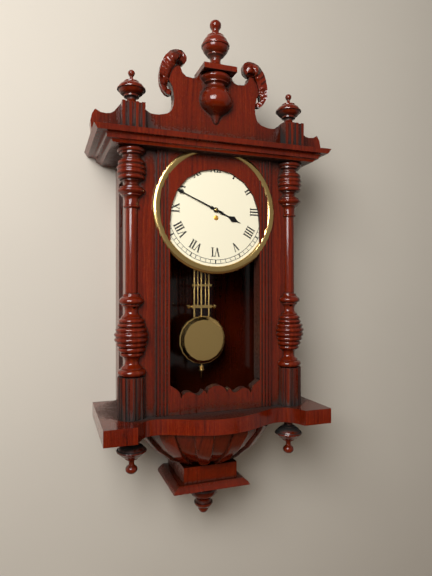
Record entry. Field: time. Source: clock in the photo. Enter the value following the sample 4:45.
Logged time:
3:49
